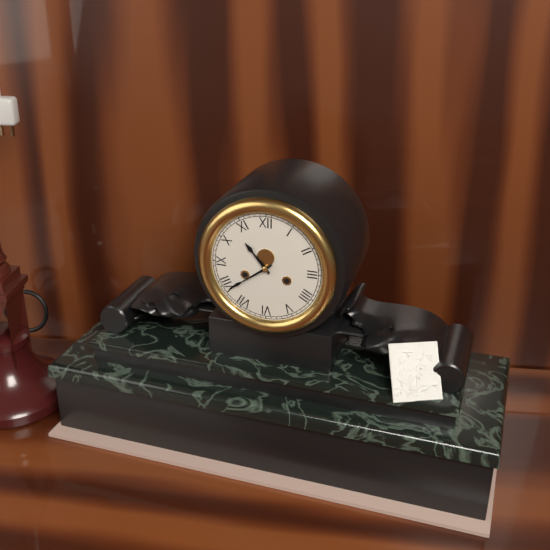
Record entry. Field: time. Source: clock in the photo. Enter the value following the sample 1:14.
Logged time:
10:39
